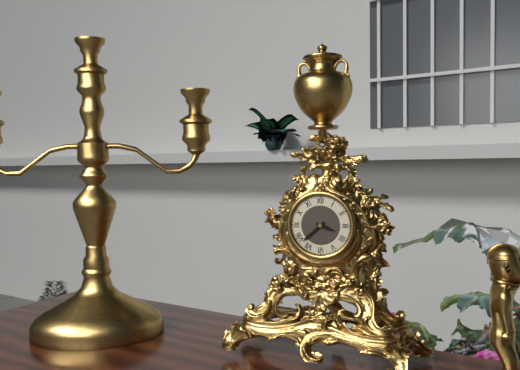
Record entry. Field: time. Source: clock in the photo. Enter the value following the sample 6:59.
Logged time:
3:38
